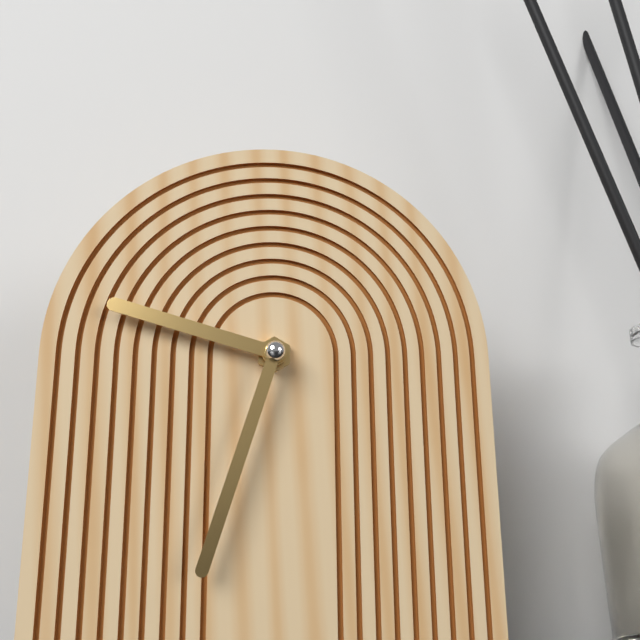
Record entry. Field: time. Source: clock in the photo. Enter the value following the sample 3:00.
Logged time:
9:33
